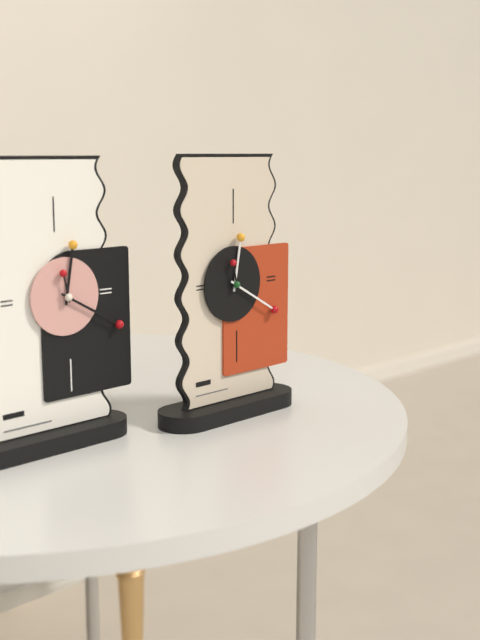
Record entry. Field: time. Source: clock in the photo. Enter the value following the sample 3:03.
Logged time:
12:20
